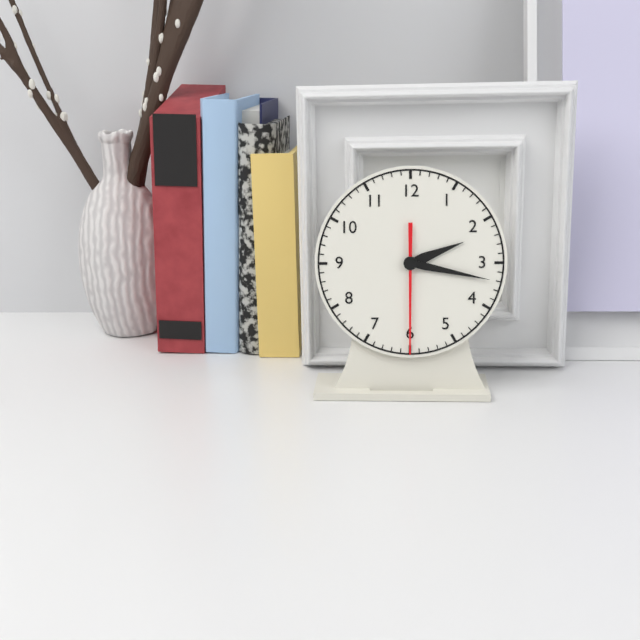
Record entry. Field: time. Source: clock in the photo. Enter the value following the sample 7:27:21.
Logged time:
2:17:30
